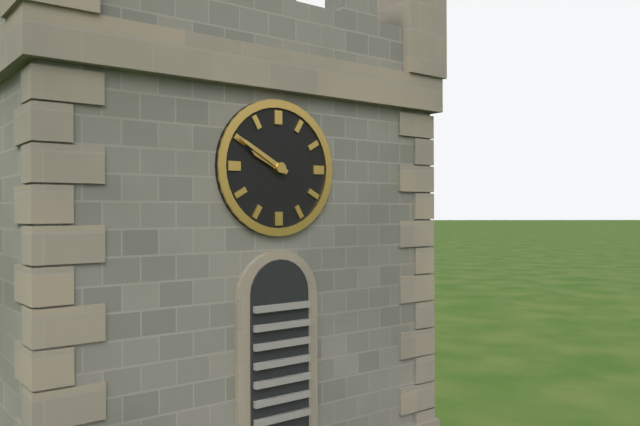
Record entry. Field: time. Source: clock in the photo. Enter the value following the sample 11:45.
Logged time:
9:50
